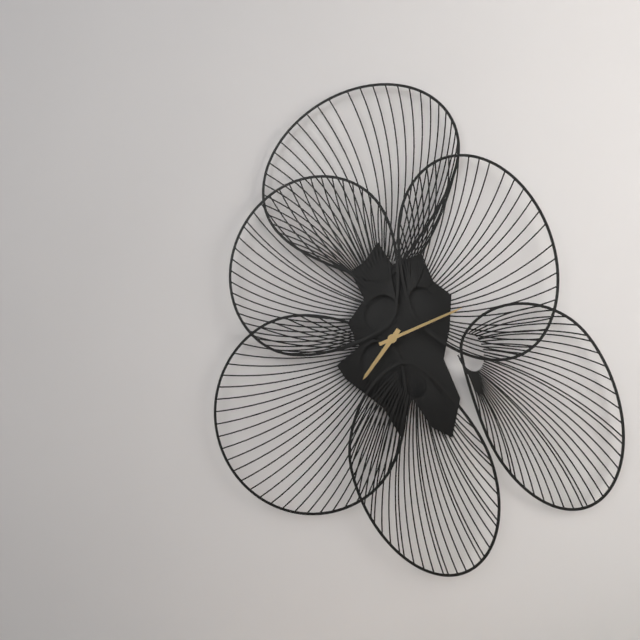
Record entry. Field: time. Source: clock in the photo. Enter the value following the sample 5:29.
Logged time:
7:11
